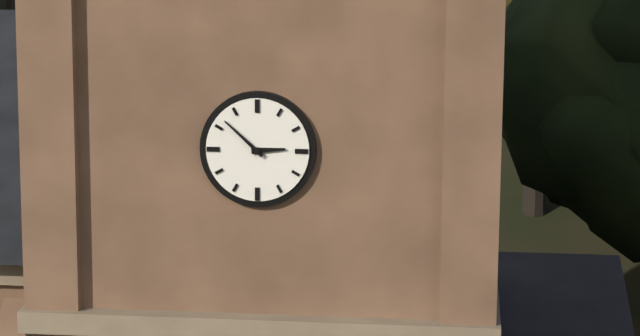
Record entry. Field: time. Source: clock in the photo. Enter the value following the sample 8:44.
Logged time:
2:52
